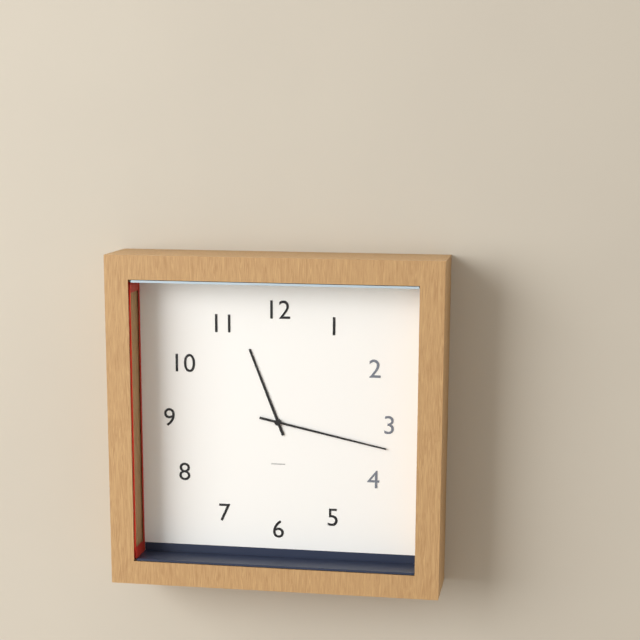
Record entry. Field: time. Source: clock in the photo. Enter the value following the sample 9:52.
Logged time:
11:17
